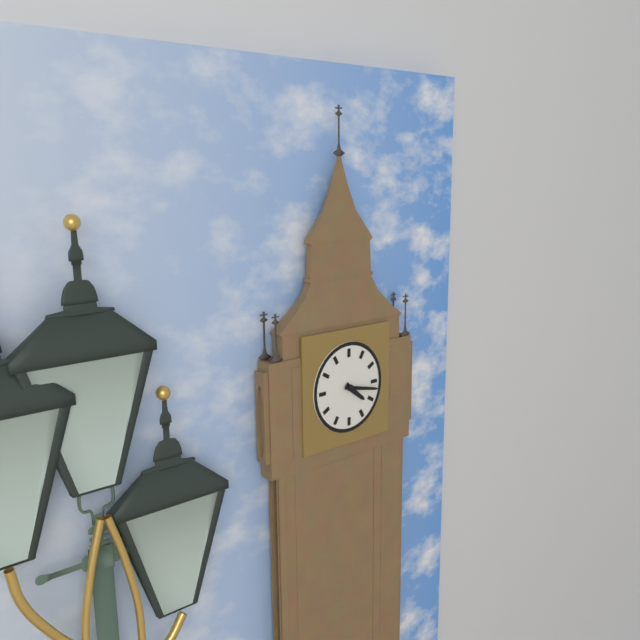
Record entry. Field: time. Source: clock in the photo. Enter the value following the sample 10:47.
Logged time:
4:17
